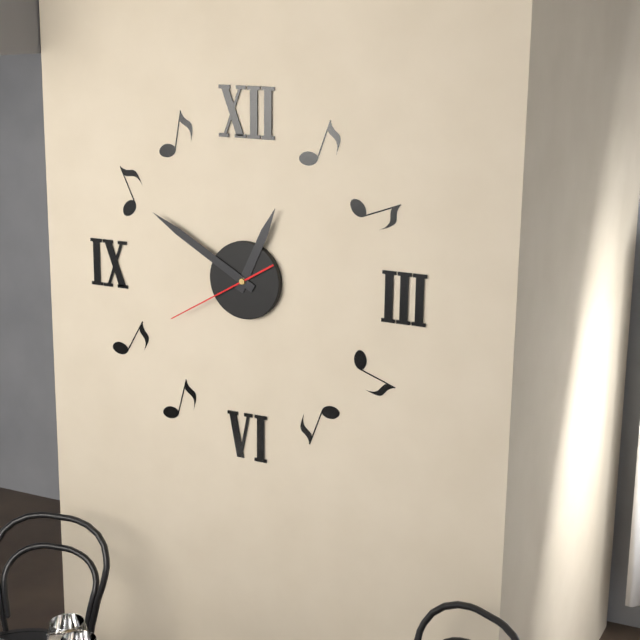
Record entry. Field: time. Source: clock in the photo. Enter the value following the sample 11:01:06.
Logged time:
12:50:40
